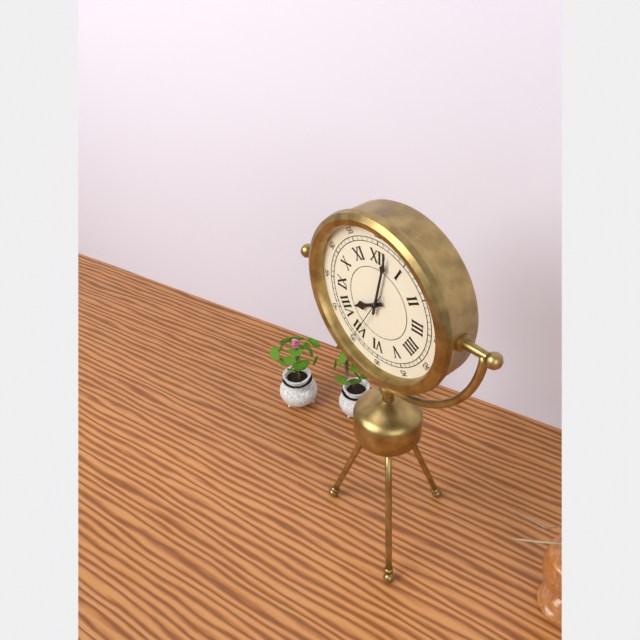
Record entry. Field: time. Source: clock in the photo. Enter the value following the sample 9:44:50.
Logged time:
8:02:35
